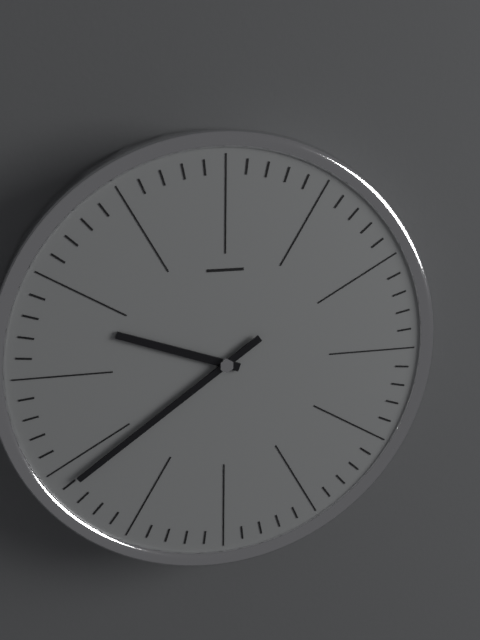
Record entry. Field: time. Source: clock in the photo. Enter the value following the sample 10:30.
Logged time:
9:39
